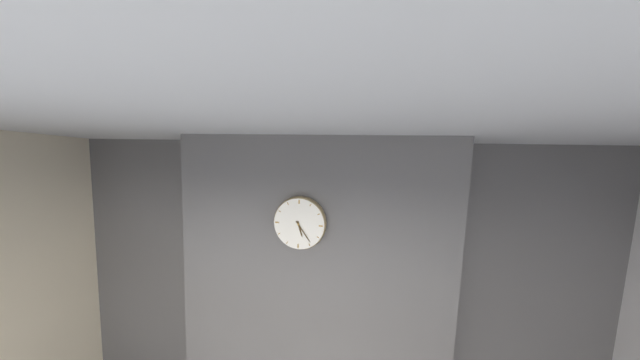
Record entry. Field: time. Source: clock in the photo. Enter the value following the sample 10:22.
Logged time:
5:24
